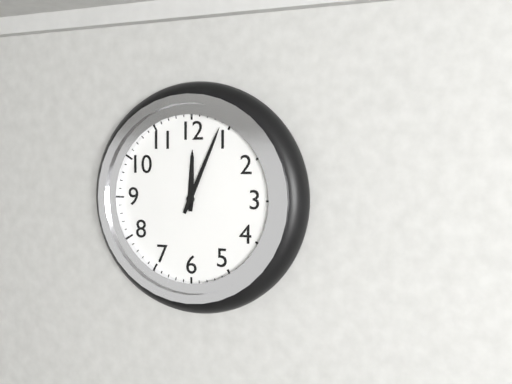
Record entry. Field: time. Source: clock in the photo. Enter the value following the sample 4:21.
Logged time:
12:04
